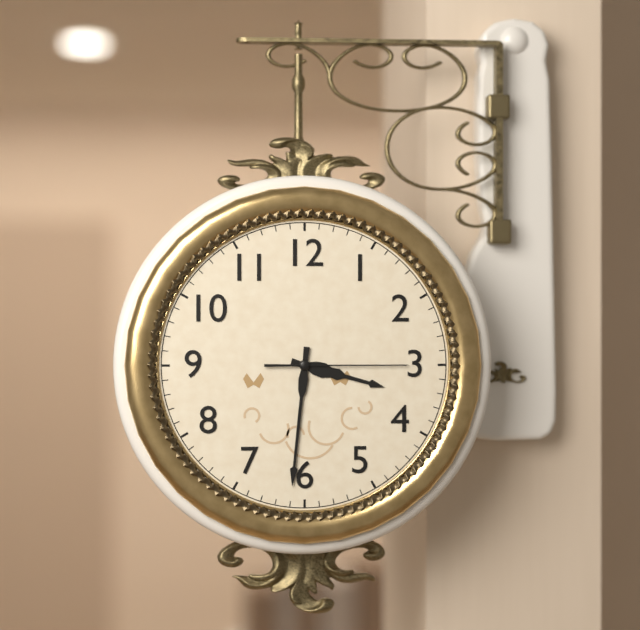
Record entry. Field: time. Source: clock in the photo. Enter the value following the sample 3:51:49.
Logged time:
3:31:15
